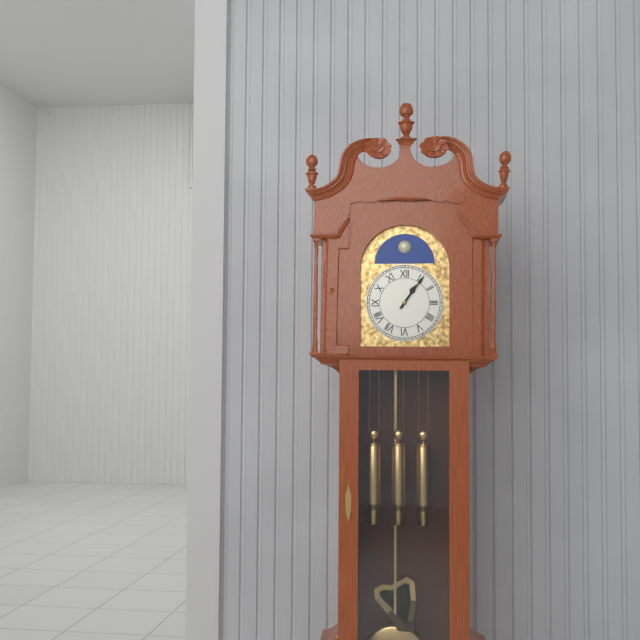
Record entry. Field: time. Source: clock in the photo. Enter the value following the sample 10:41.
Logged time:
1:06
